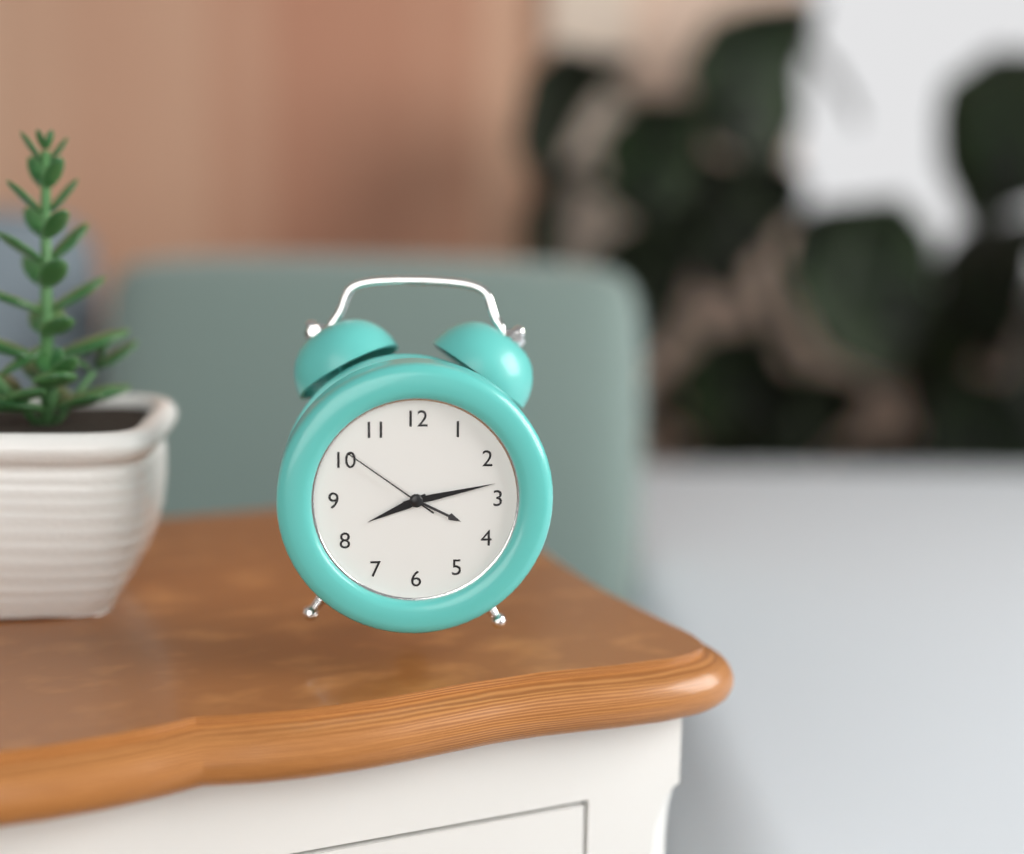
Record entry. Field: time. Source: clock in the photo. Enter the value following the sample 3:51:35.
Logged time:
8:13:51
